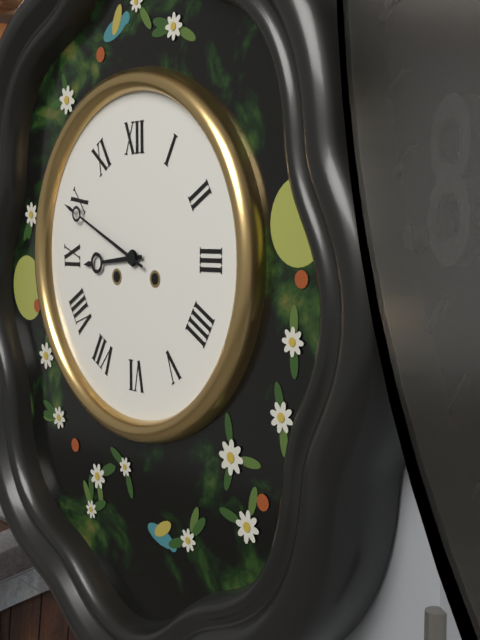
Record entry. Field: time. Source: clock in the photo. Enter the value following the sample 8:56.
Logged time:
8:49
